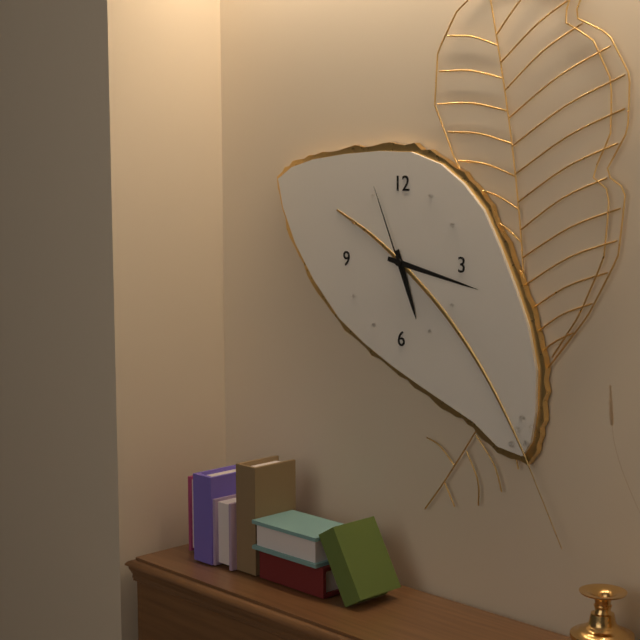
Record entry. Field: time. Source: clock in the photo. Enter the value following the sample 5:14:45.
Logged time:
5:17:56
